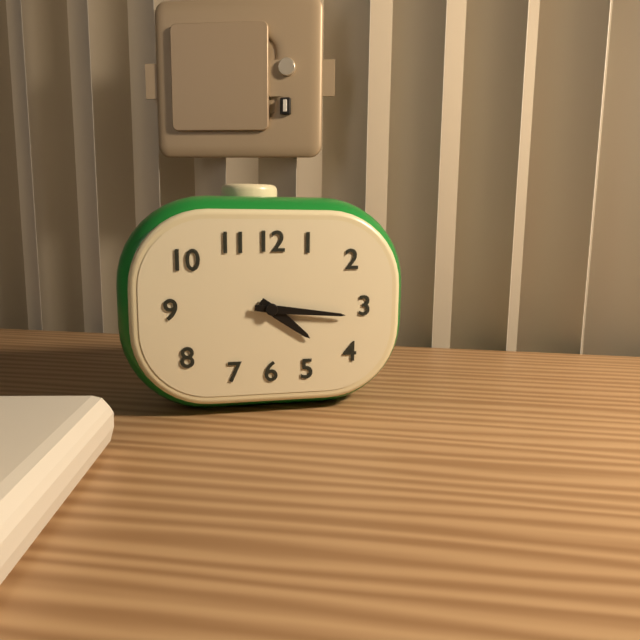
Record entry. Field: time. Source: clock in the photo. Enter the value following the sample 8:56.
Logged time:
4:16
